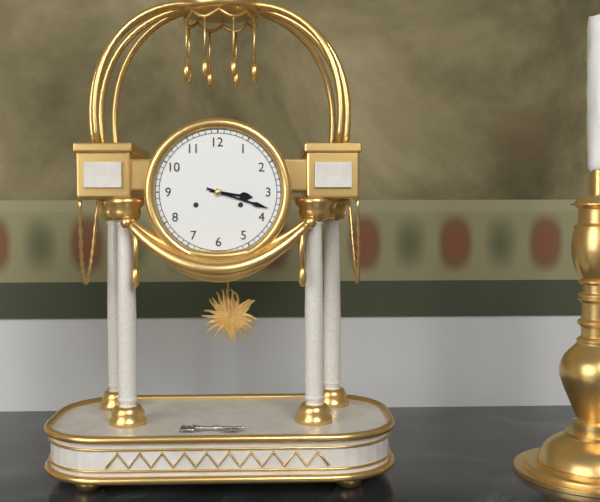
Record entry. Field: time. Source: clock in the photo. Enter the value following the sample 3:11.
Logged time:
3:18
